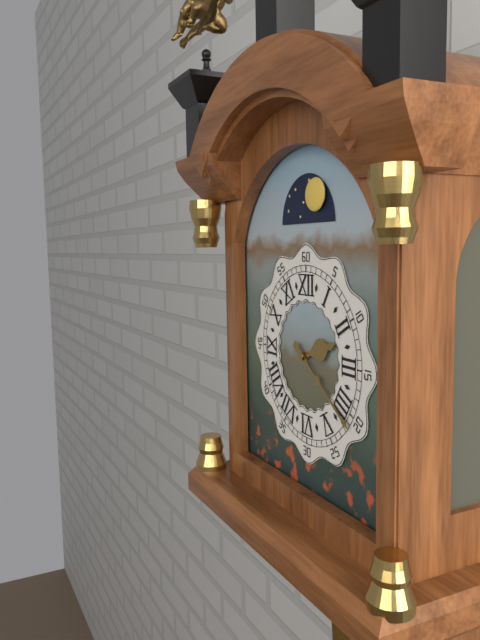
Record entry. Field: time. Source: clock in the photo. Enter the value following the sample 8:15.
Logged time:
2:21
